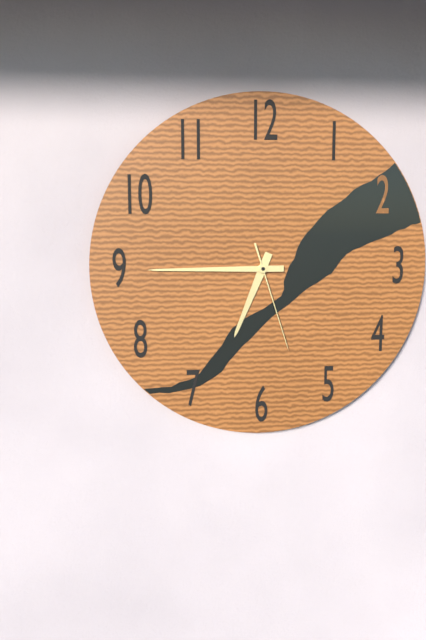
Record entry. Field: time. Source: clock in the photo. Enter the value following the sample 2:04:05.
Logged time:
6:45:27
